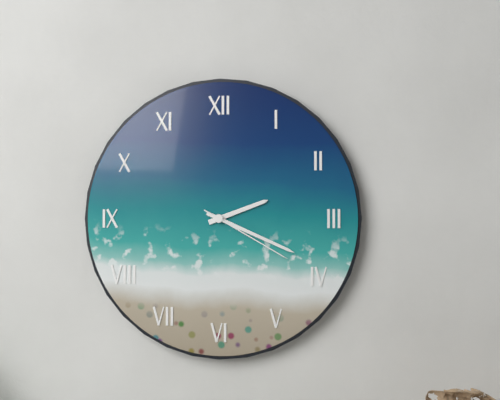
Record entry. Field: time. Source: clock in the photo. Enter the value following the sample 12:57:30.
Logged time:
2:19:20
